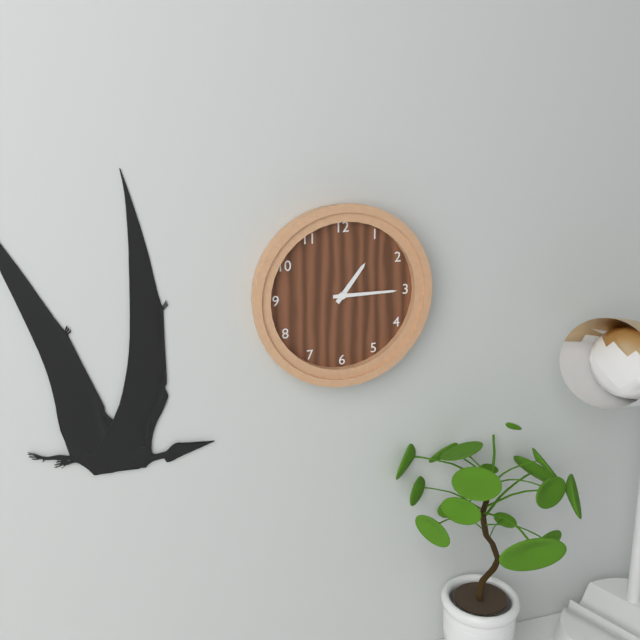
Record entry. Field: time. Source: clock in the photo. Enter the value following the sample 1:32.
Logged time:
1:15
